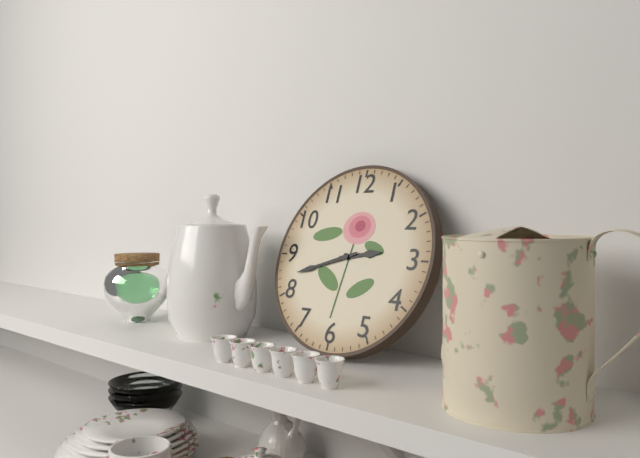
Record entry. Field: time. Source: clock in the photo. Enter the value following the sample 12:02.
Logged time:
2:42
